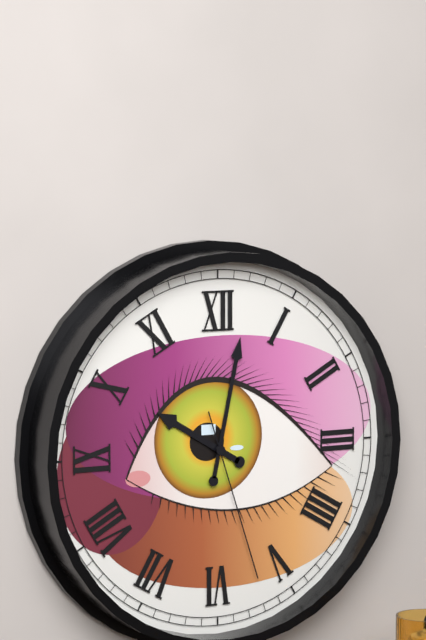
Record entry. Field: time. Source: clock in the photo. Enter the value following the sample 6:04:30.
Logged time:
10:02:27
